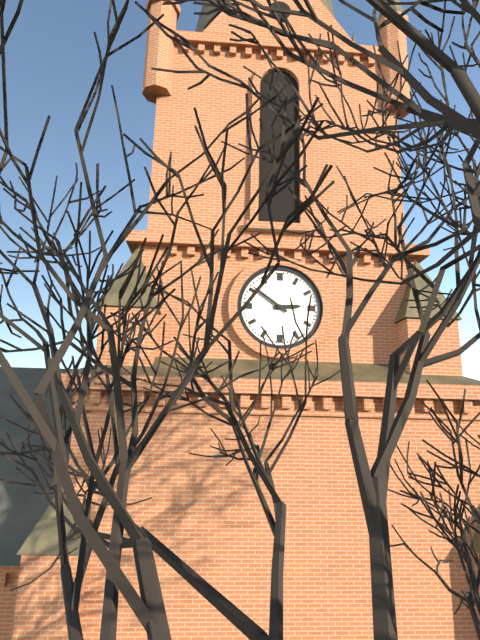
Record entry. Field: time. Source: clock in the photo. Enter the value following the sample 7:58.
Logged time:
2:51
